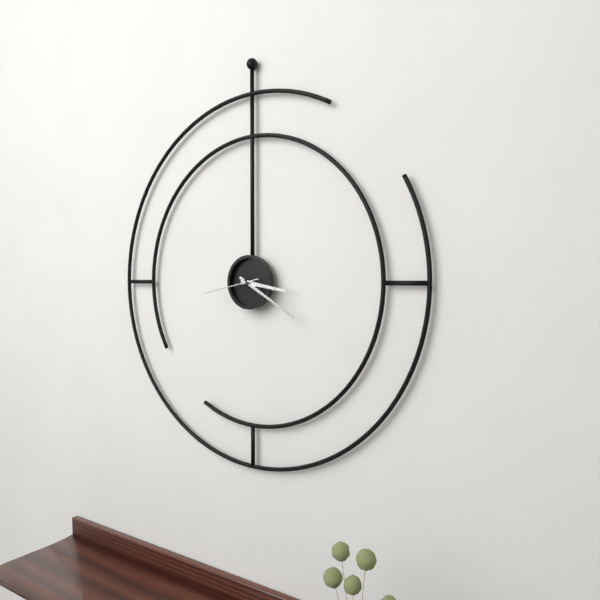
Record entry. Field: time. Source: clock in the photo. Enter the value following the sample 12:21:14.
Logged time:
3:20:43
